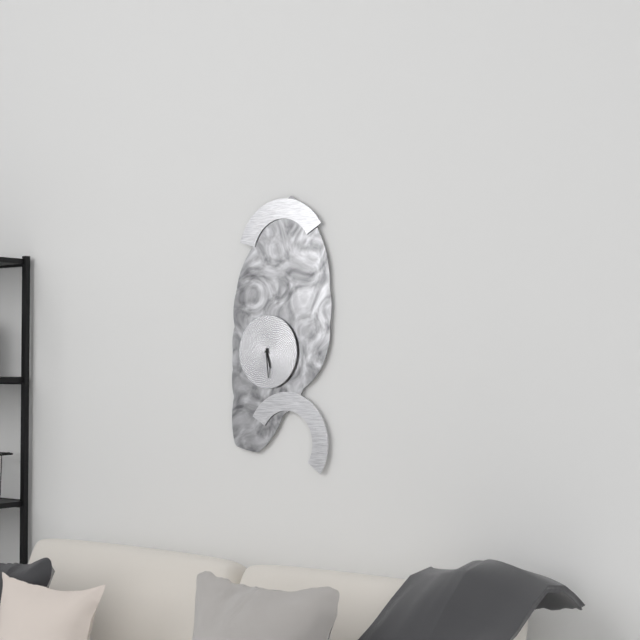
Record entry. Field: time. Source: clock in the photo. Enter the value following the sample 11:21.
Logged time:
5:29
